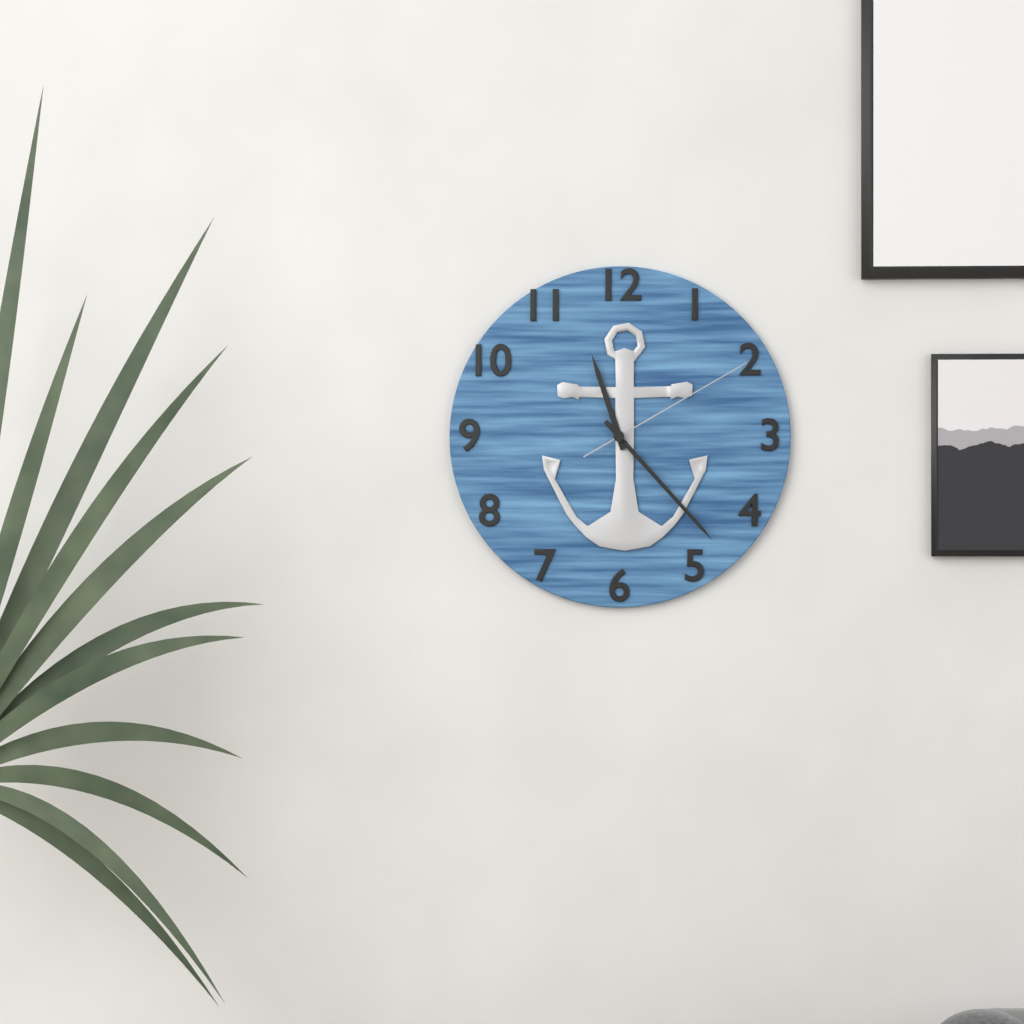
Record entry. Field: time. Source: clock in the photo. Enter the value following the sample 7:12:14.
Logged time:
11:23:10
